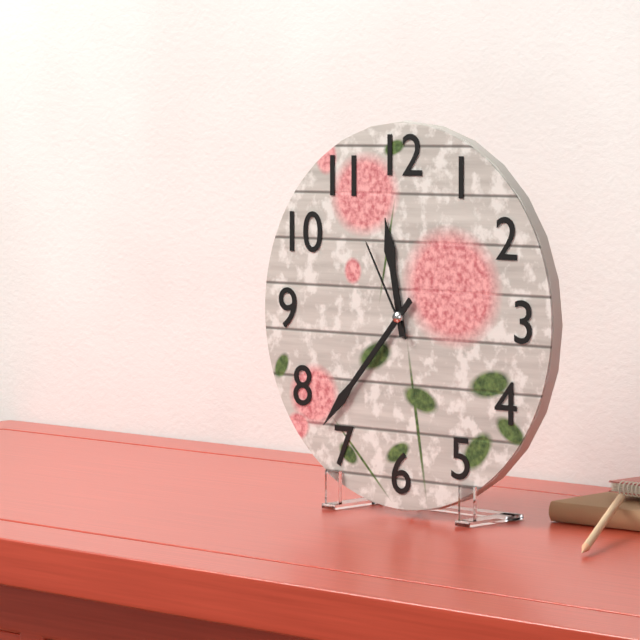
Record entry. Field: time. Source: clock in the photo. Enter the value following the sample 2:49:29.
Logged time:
11:37:55
